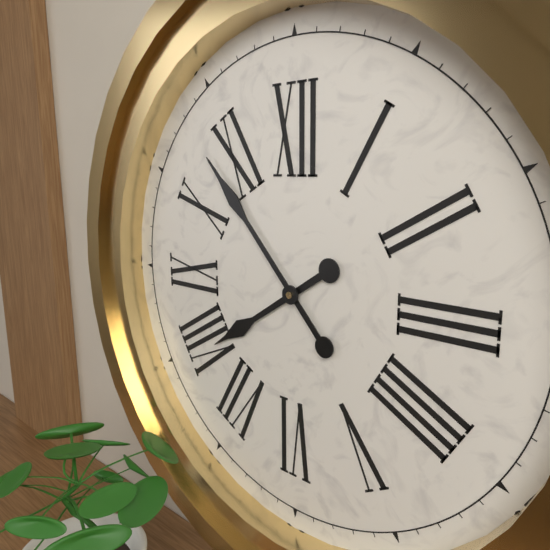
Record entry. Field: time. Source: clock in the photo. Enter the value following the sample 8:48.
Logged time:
7:53
